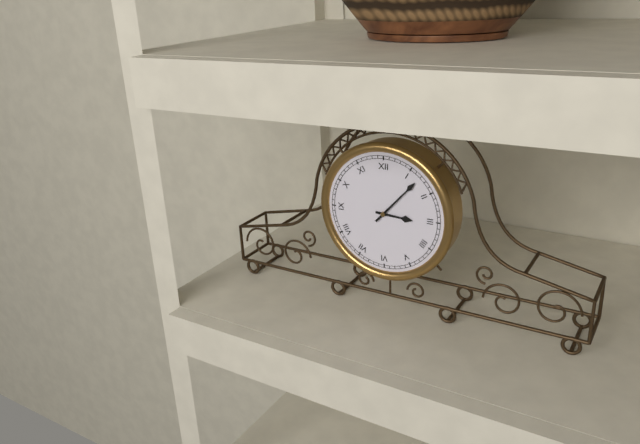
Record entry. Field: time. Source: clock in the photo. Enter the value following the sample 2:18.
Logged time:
3:07
